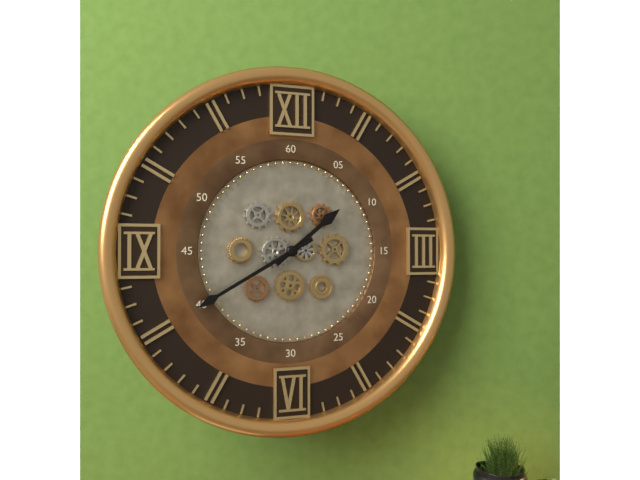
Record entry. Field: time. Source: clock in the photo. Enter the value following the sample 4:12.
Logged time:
1:40
